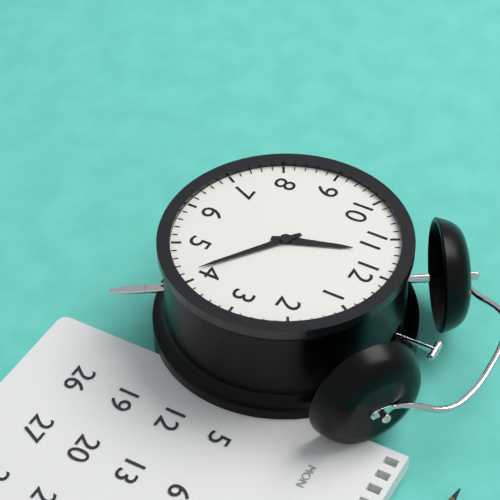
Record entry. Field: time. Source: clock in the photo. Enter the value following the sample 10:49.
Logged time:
11:21
